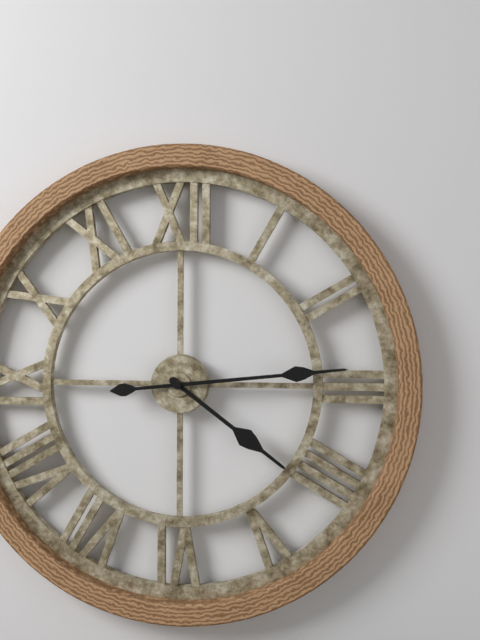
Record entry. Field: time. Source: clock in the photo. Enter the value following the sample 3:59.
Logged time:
4:14
